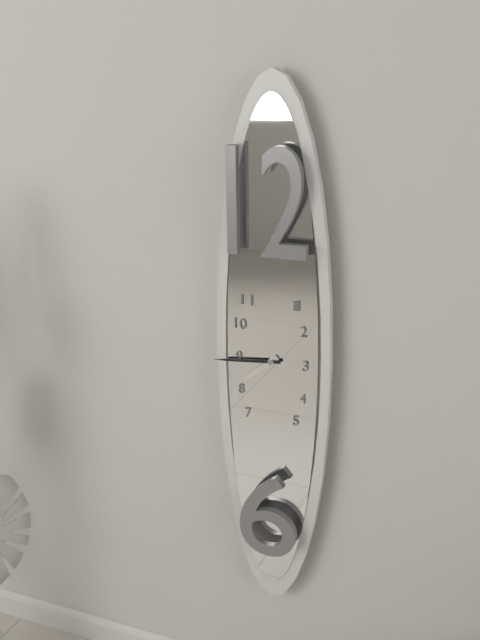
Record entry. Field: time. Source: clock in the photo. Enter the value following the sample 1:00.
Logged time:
7:44
